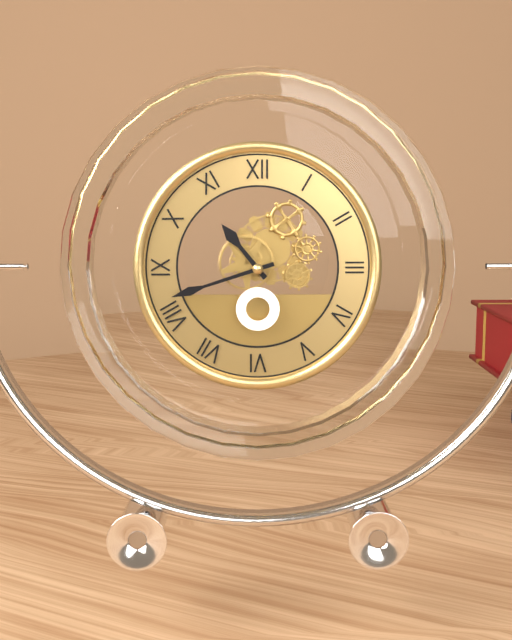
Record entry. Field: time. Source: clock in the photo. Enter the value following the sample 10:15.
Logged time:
10:42
